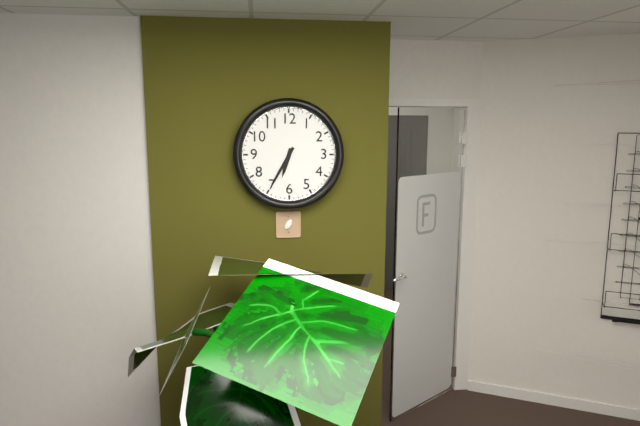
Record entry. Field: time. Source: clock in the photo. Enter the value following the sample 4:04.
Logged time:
6:35
